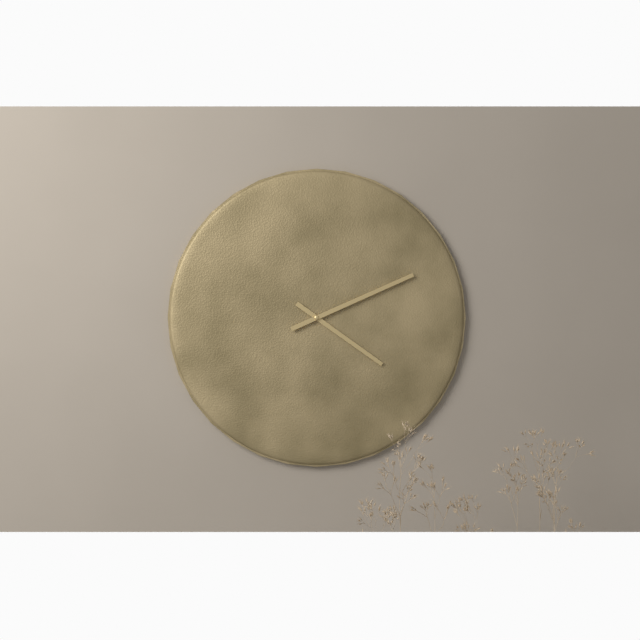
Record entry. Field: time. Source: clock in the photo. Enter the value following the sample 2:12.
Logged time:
4:11
